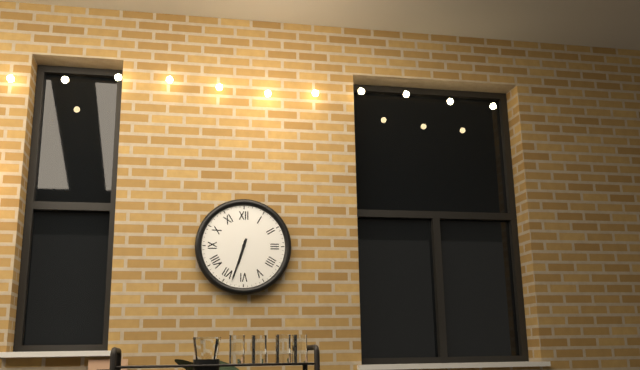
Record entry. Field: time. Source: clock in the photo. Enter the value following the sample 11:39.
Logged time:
6:33
